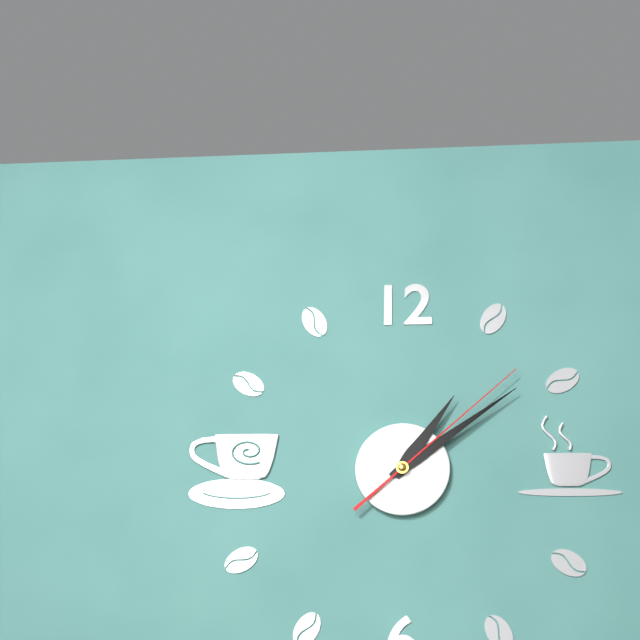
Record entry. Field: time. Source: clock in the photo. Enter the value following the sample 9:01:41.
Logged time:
1:09:08
